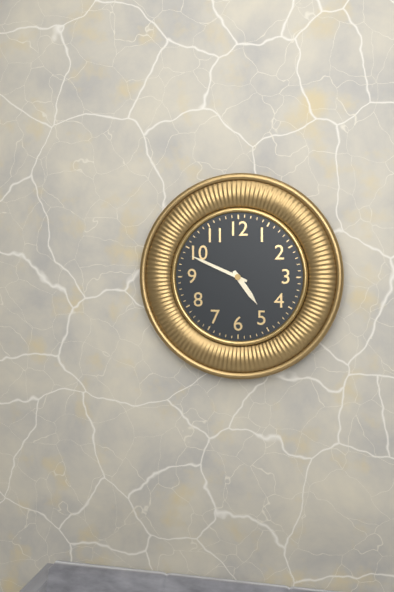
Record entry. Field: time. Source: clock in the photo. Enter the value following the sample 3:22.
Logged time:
4:49
